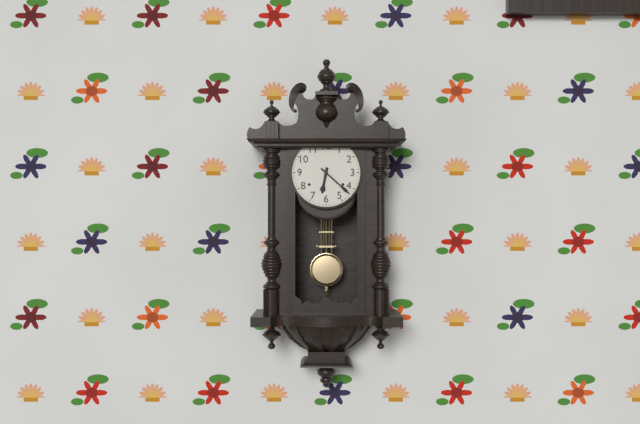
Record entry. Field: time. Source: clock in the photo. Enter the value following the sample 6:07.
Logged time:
6:22
